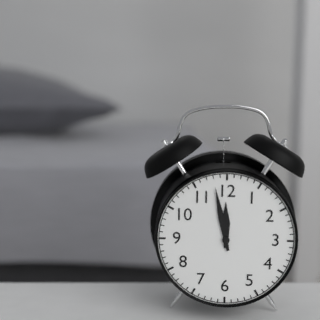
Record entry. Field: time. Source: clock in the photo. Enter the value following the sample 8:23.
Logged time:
11:58
